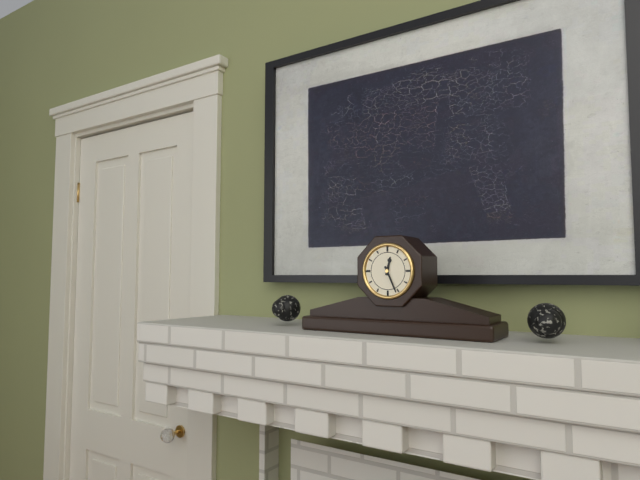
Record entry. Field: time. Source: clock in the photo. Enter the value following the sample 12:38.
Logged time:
12:26
